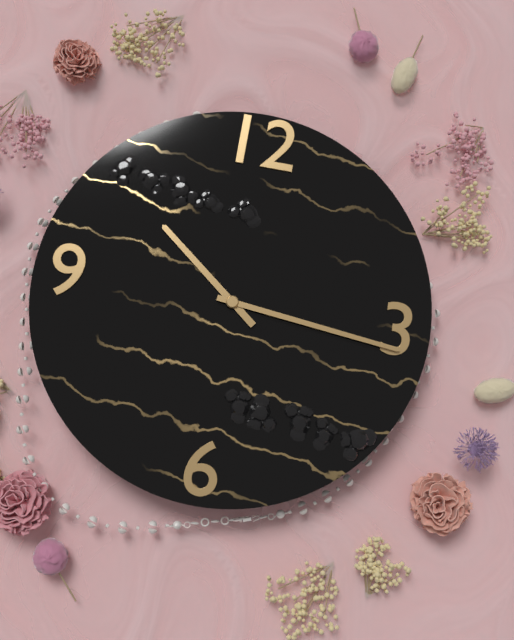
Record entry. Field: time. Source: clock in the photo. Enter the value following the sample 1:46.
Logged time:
10:16
